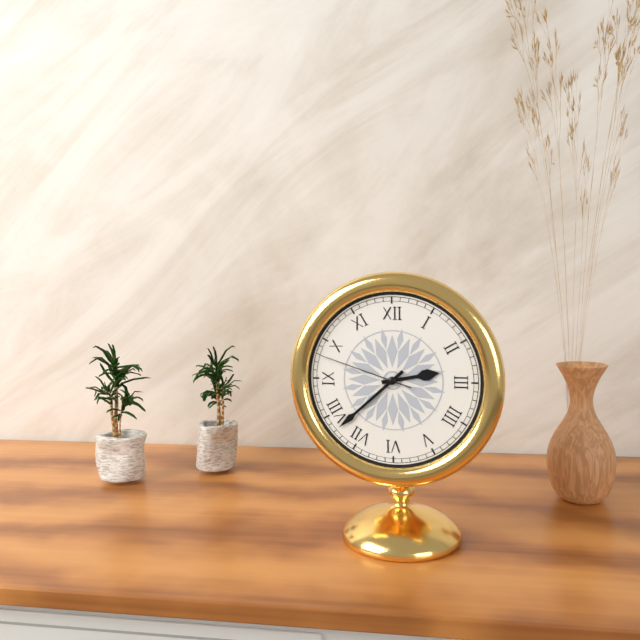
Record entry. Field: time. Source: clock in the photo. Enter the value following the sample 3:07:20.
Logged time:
2:38:48
